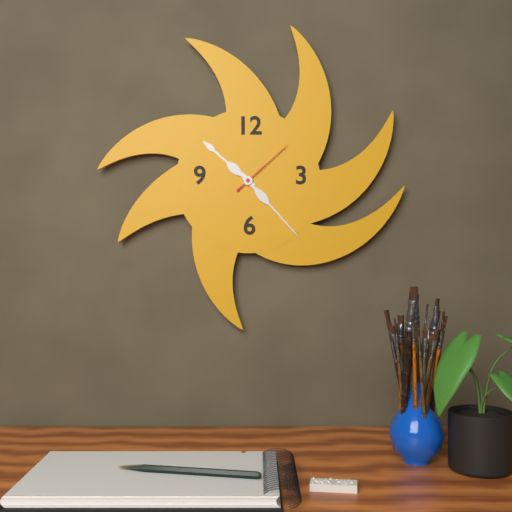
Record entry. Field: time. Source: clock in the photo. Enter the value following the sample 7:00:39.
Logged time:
10:23:08
